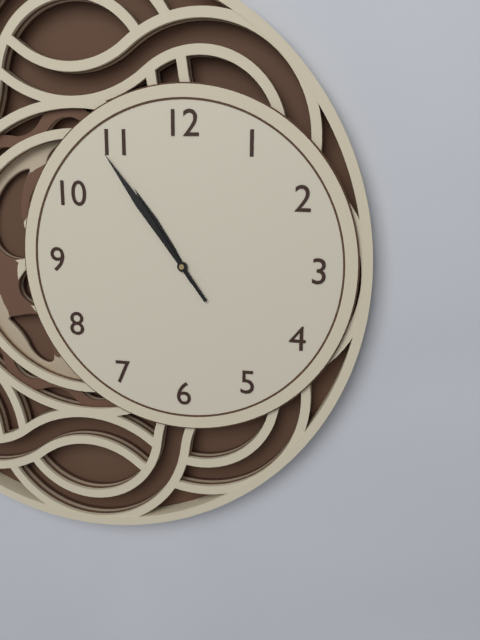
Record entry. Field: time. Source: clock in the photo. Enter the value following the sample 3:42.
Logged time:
10:54
